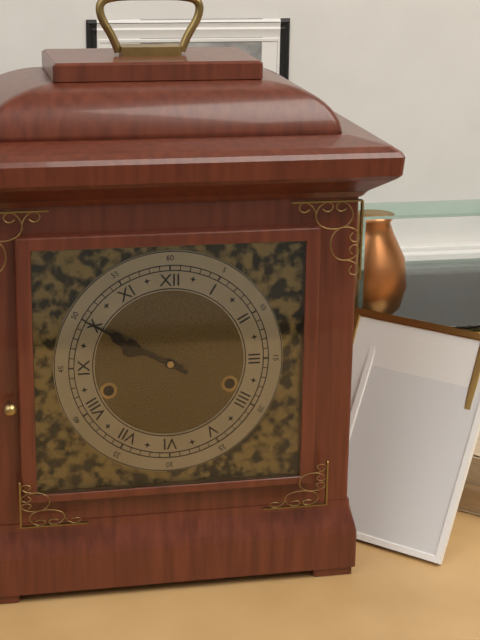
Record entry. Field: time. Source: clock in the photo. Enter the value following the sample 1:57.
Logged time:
9:50
